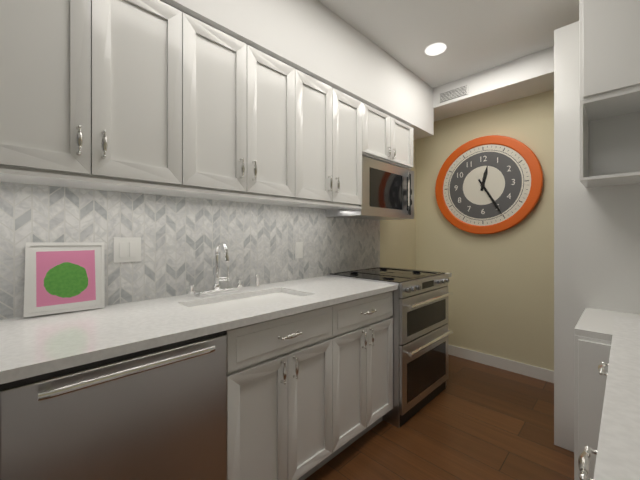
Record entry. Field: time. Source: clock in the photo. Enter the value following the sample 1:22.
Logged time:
12:25
